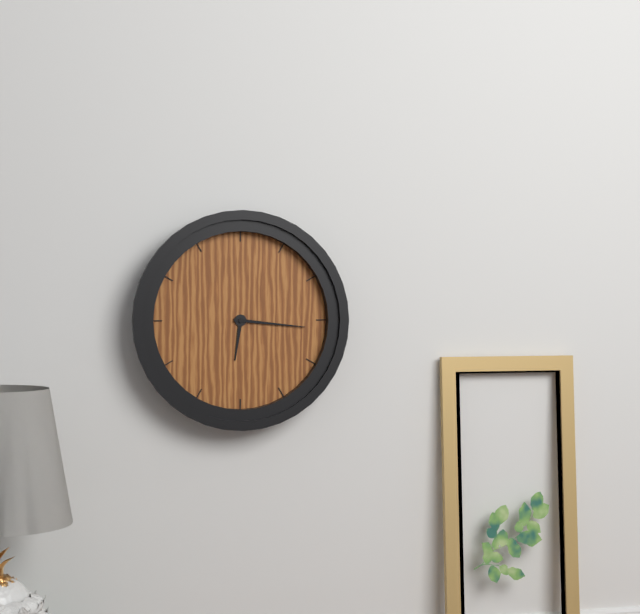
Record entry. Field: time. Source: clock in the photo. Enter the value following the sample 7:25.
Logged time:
6:16
